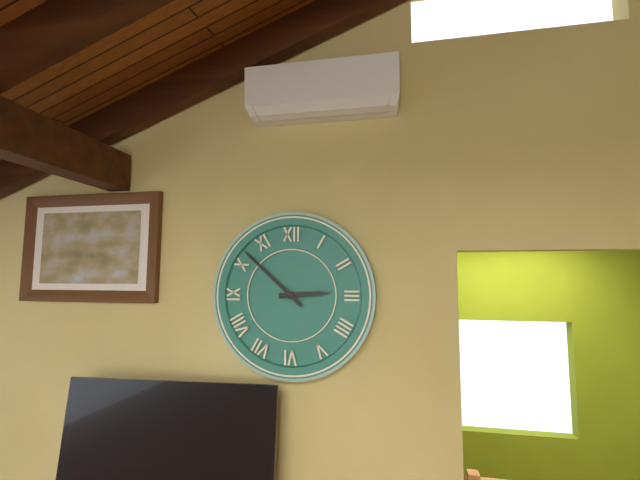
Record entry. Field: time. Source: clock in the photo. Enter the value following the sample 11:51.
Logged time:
2:52
